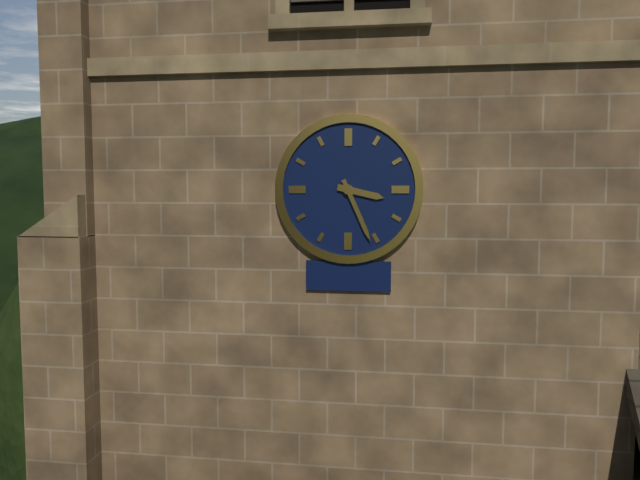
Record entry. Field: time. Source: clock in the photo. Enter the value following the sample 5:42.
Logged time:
3:26
